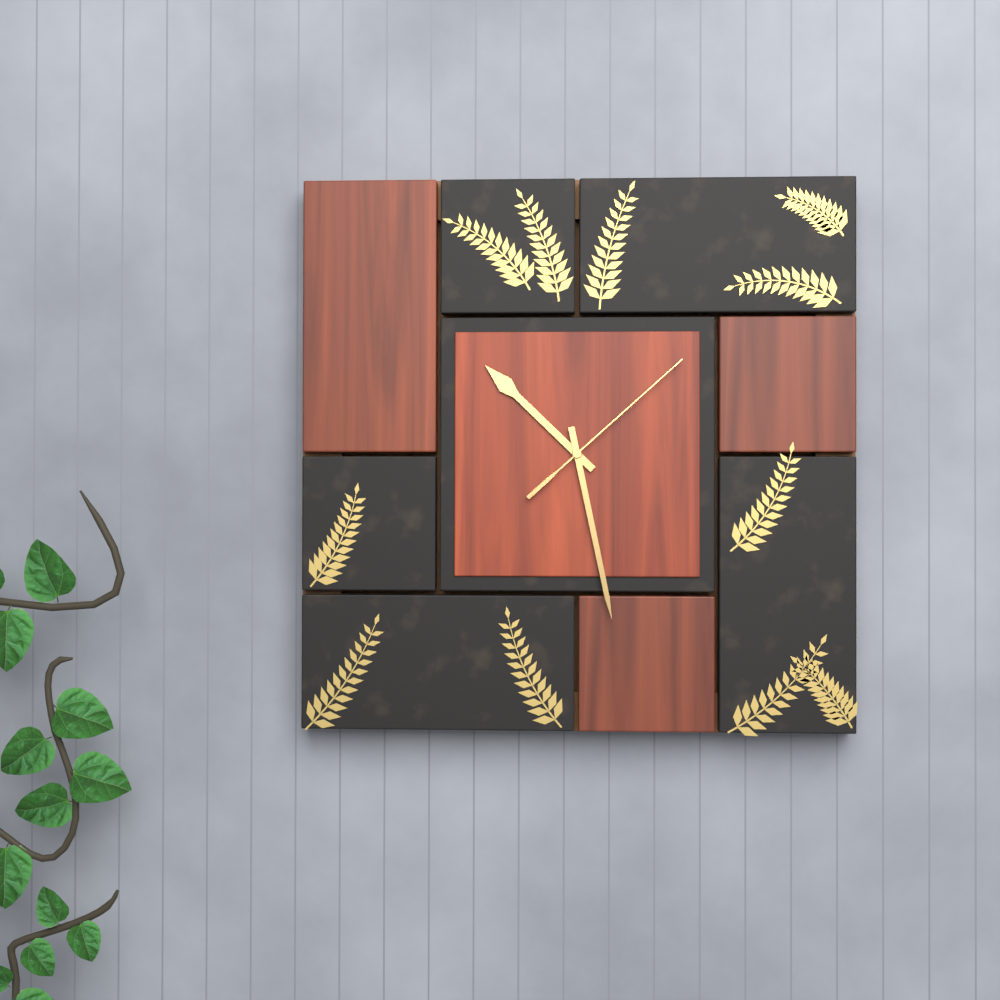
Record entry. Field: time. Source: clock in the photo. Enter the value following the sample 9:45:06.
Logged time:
10:28:08
